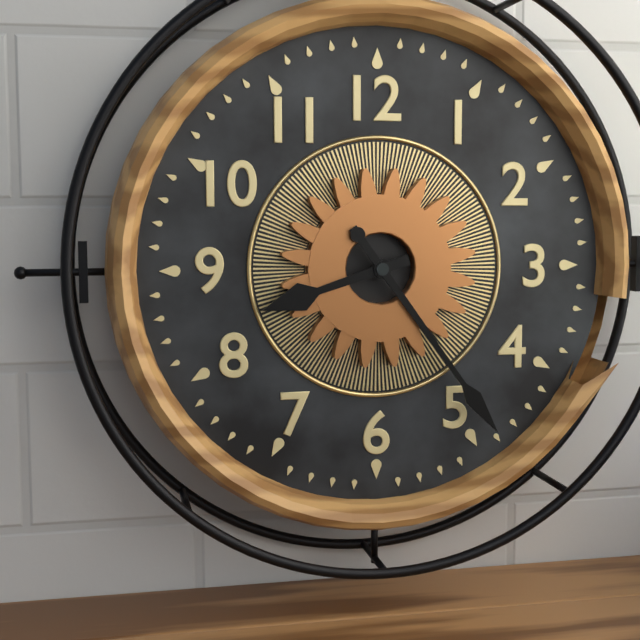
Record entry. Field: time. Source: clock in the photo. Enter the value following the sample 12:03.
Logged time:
8:24
